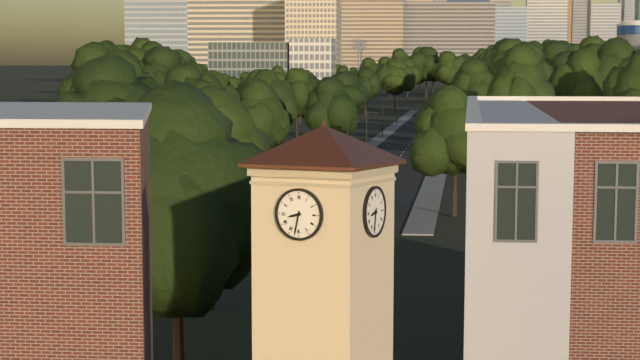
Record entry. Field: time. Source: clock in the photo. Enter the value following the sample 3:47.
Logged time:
8:32
